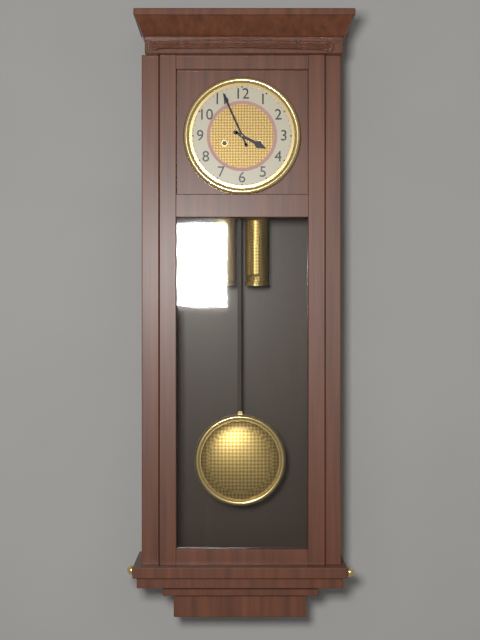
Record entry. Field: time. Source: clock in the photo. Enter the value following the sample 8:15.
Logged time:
3:56
